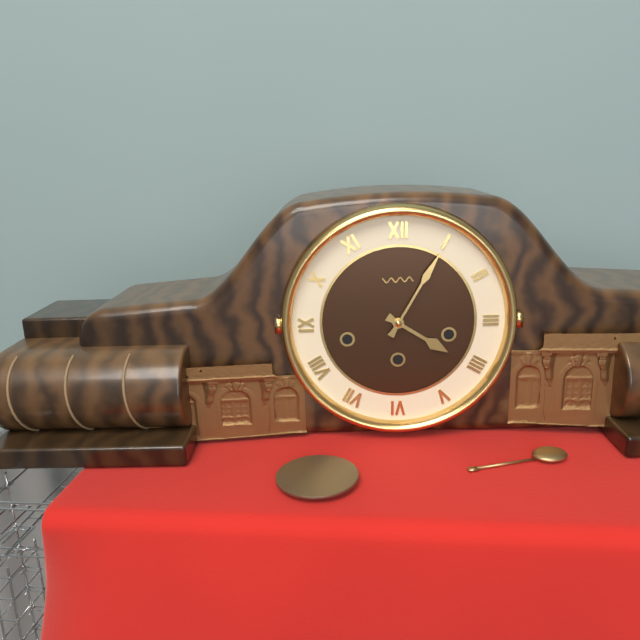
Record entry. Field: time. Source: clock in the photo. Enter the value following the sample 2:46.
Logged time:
4:05
